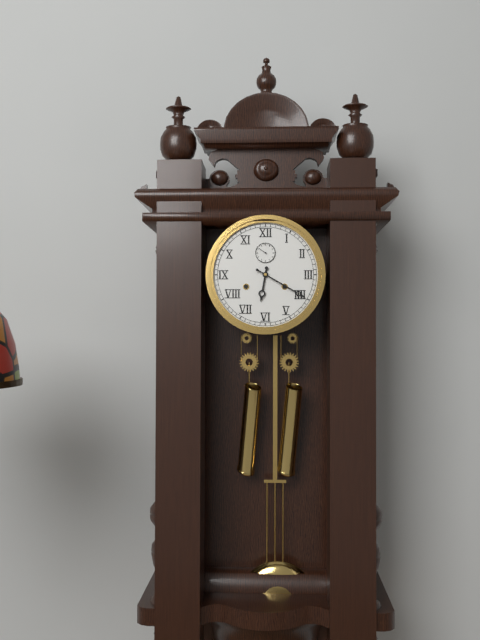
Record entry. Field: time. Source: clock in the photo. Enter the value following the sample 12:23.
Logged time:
6:20
